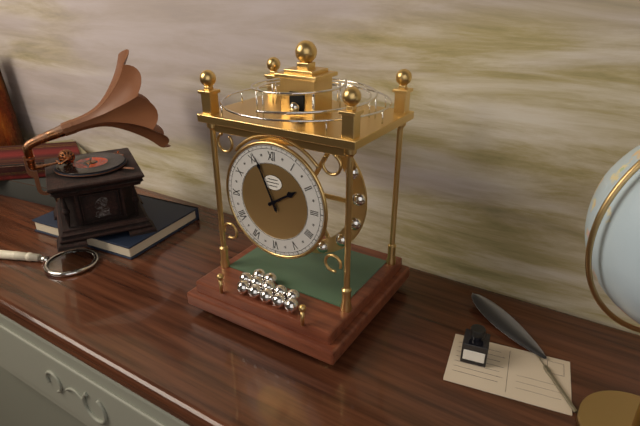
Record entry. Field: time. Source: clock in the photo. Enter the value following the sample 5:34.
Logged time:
1:56
